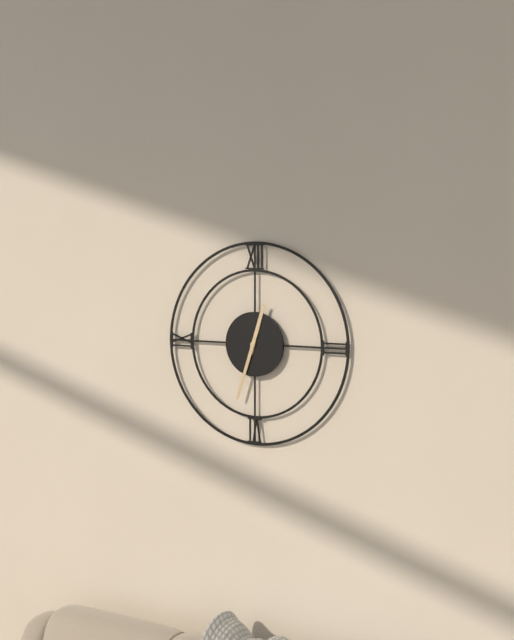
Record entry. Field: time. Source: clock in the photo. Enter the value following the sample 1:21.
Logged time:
12:33
